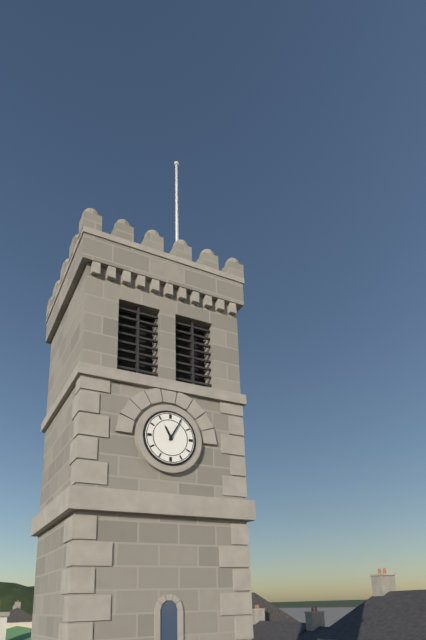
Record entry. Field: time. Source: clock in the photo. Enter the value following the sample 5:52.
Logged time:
11:05
